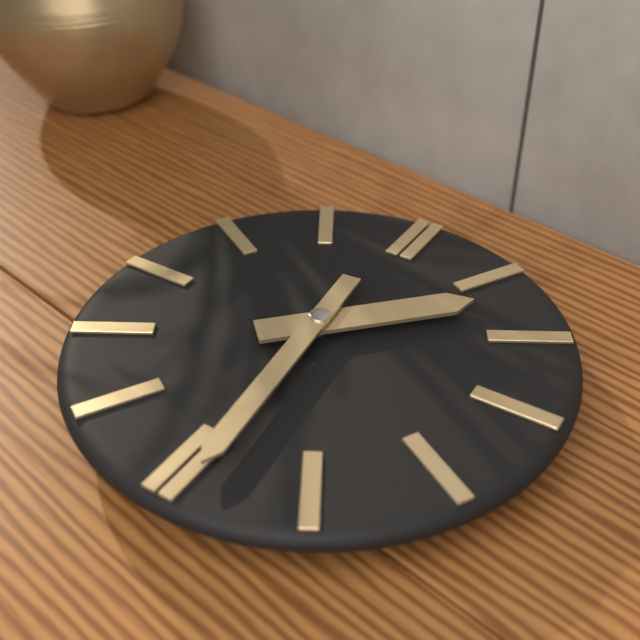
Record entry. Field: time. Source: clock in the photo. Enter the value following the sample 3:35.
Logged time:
1:29
